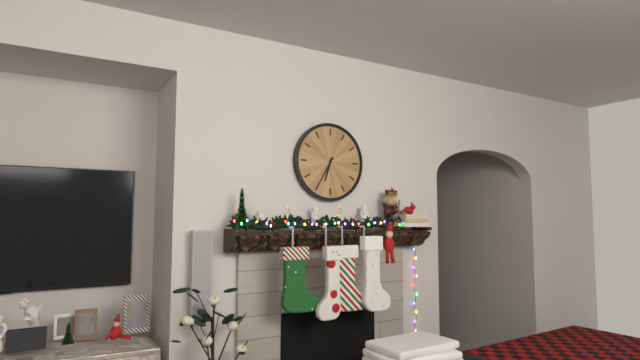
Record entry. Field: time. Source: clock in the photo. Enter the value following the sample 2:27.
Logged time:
6:35
